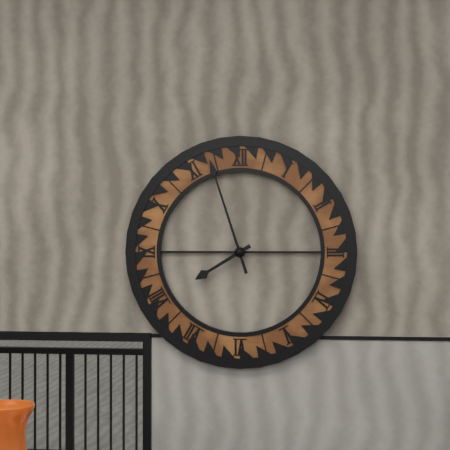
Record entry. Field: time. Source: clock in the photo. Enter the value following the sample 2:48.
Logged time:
7:57
